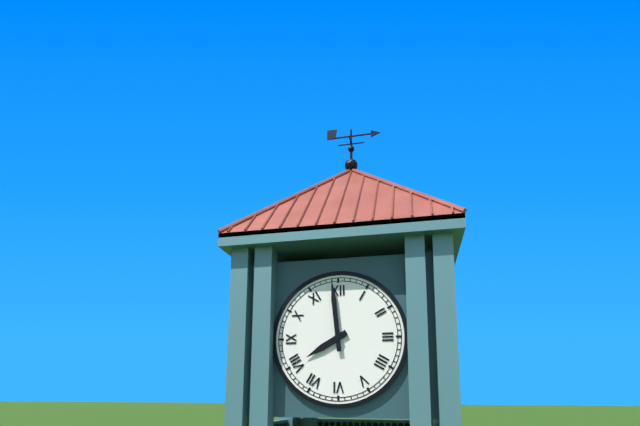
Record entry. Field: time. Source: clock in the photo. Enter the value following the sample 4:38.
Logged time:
7:59
